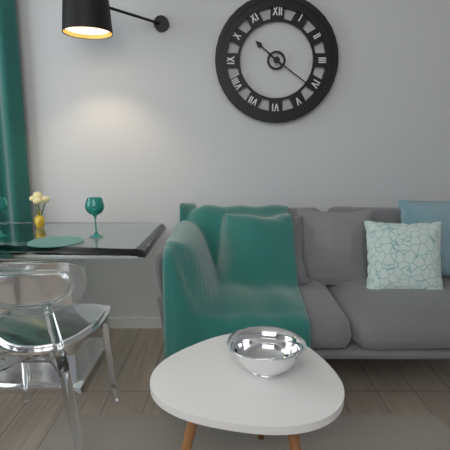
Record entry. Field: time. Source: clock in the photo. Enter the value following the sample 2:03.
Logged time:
10:21
